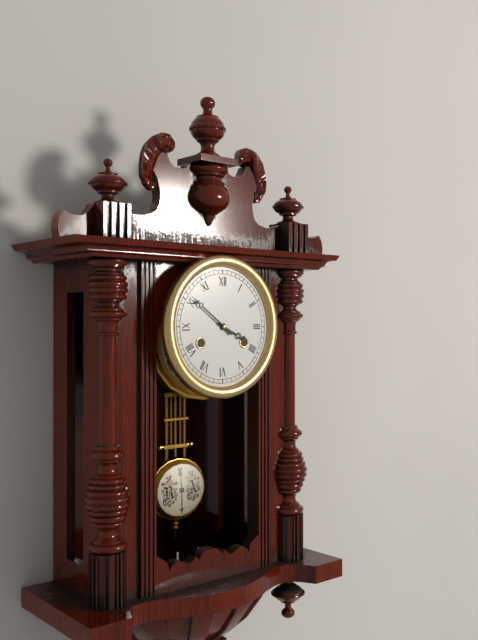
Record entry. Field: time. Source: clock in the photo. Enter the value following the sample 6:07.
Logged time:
3:51
